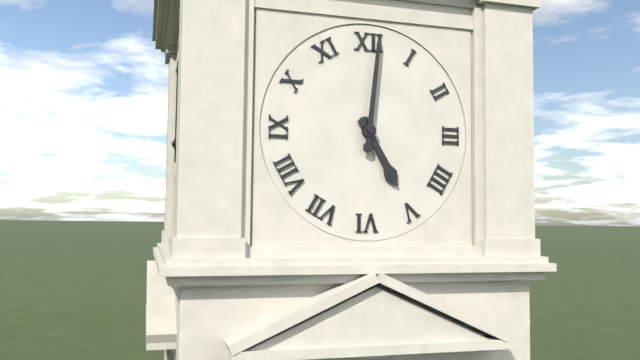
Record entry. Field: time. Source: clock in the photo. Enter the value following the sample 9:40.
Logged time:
5:01
